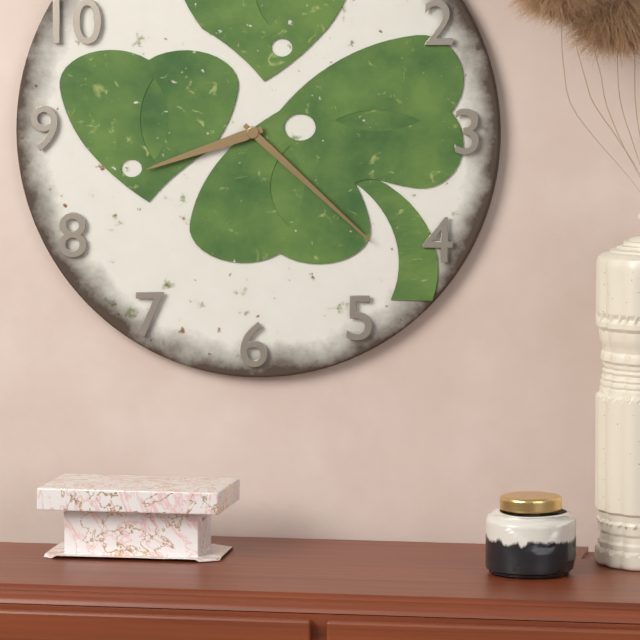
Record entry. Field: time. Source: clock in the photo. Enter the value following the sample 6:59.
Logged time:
8:22
